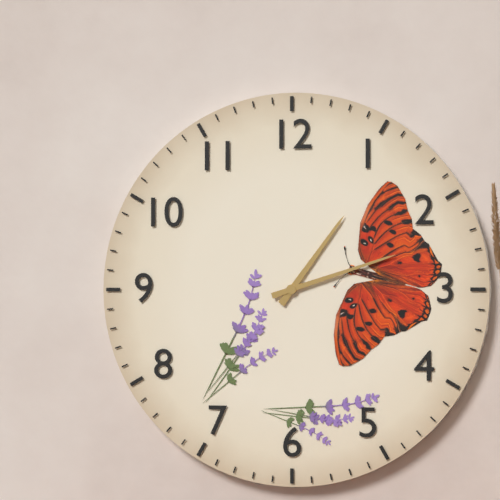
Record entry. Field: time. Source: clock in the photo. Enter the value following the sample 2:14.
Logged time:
1:12
